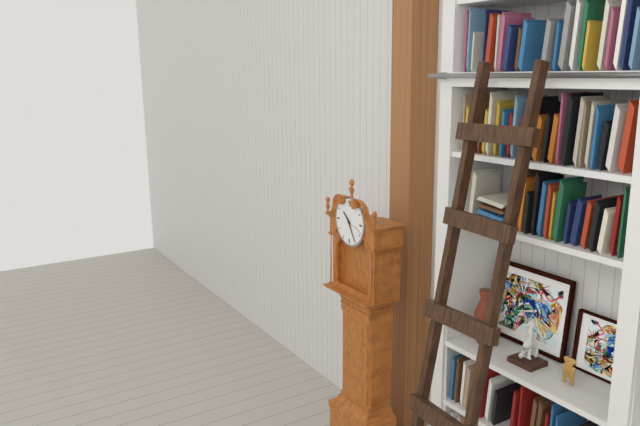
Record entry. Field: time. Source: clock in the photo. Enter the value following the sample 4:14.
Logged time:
10:25
